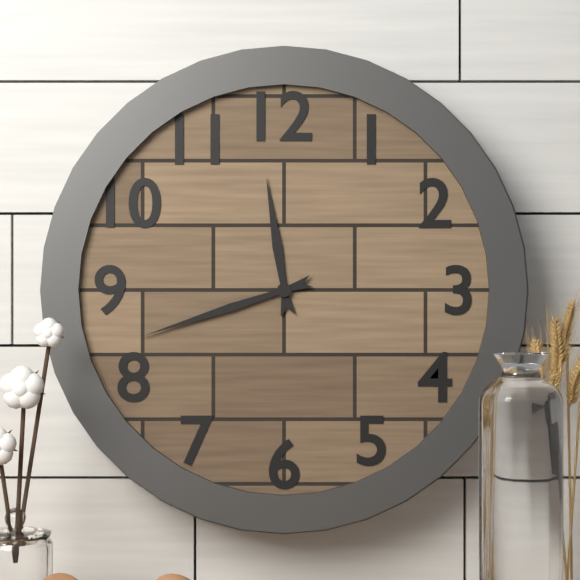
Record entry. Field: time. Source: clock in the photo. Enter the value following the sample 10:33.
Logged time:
11:42
